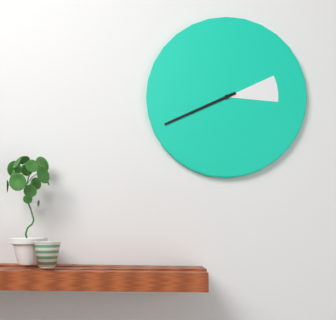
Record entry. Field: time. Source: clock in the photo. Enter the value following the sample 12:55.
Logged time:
2:41
